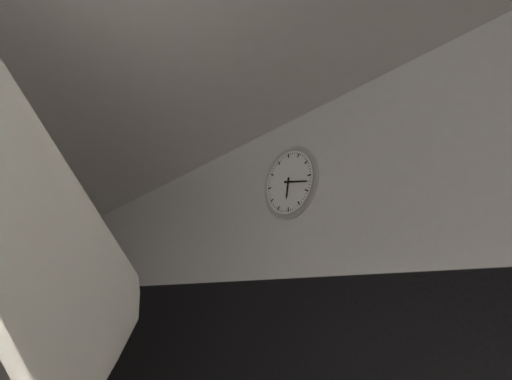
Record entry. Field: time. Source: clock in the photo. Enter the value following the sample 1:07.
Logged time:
6:17
